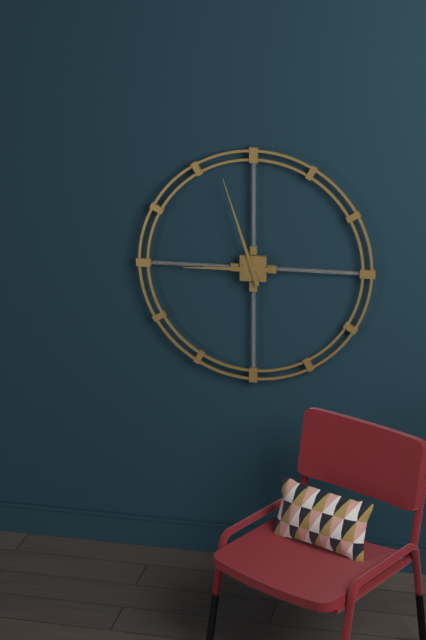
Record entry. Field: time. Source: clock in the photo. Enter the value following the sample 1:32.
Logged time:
8:57
